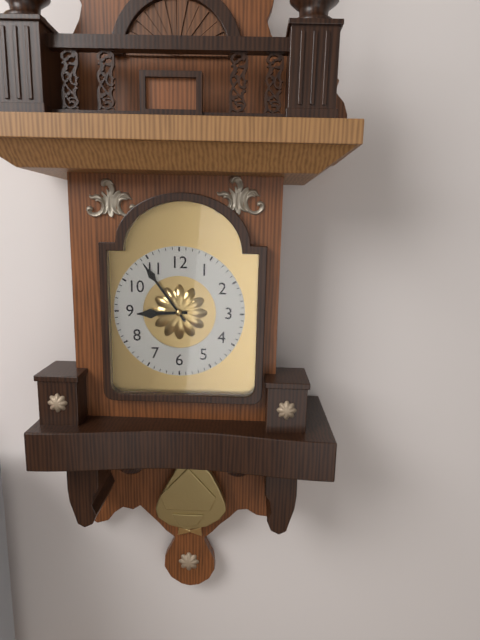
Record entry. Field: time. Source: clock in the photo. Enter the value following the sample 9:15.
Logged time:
8:54
